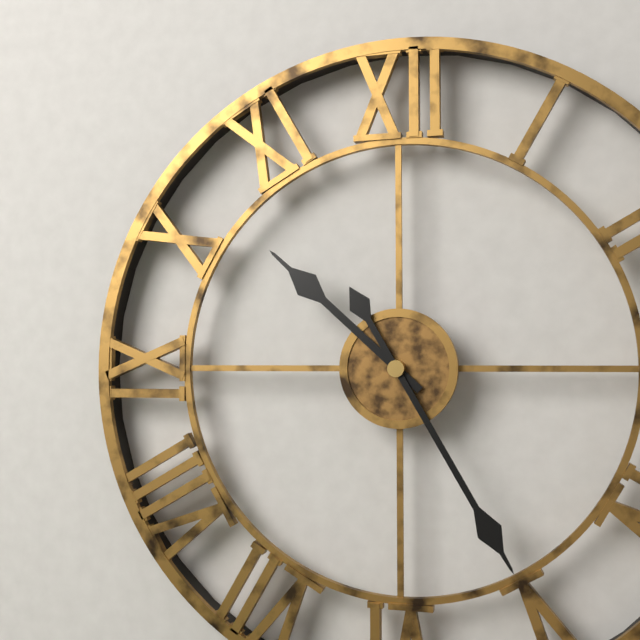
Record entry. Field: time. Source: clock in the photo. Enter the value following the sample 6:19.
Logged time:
10:25
